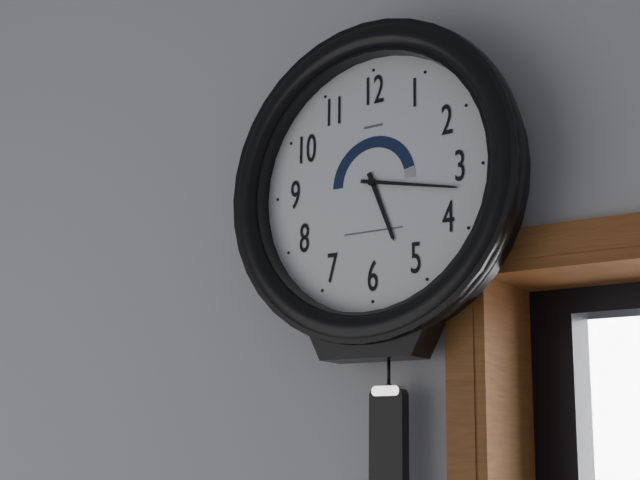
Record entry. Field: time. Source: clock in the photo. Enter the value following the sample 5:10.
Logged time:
5:17
